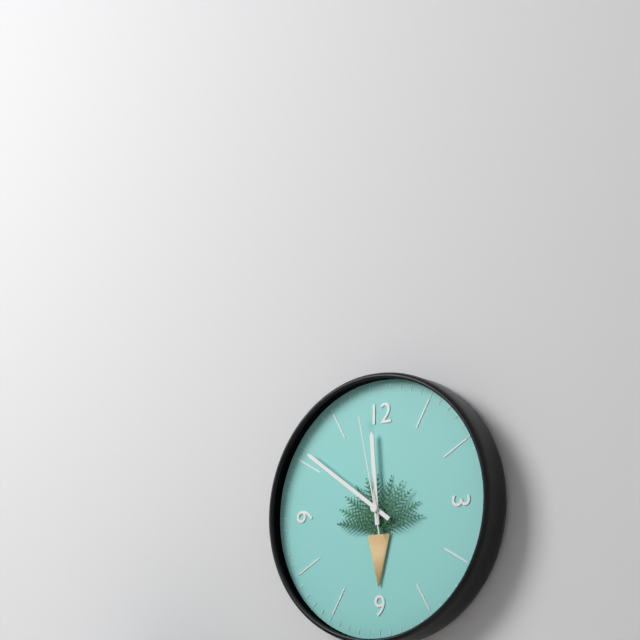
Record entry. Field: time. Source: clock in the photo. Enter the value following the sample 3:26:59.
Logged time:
11:51:58
